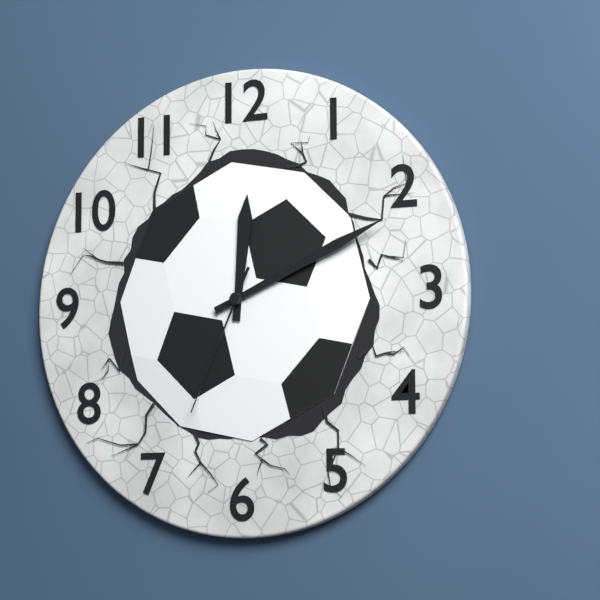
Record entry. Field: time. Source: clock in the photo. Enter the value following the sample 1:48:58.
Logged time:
12:11:34
